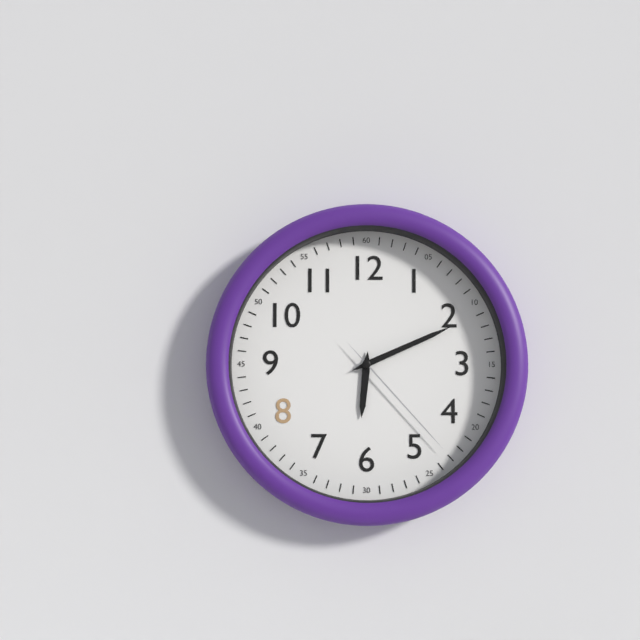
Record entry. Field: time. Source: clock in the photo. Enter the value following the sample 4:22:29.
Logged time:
6:11:23
